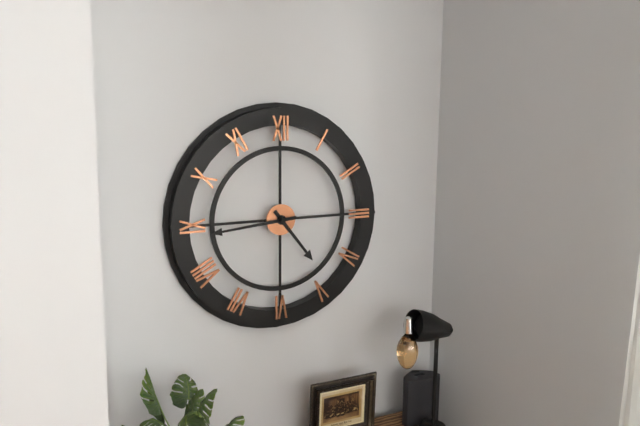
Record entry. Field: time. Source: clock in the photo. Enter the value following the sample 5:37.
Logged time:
4:44
